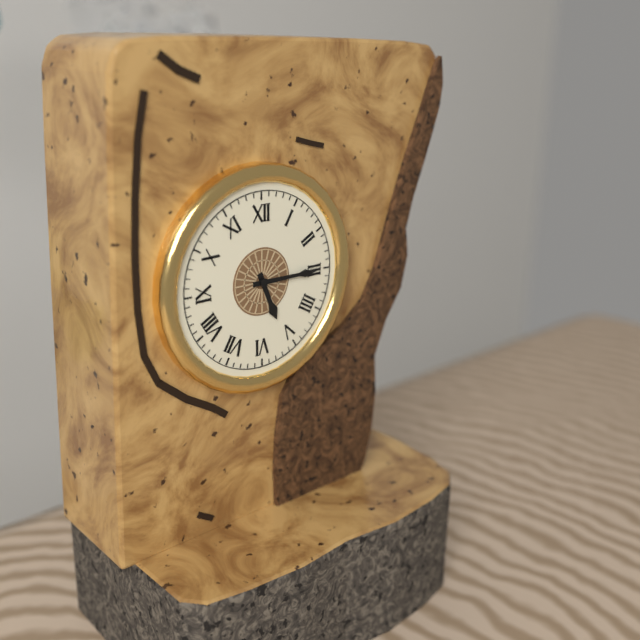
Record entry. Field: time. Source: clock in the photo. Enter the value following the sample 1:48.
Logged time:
5:15
